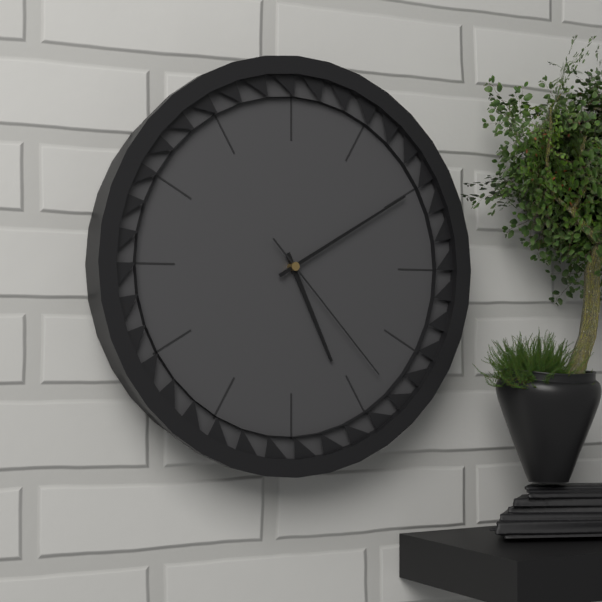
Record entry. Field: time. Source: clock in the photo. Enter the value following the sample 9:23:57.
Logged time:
5:10:23
